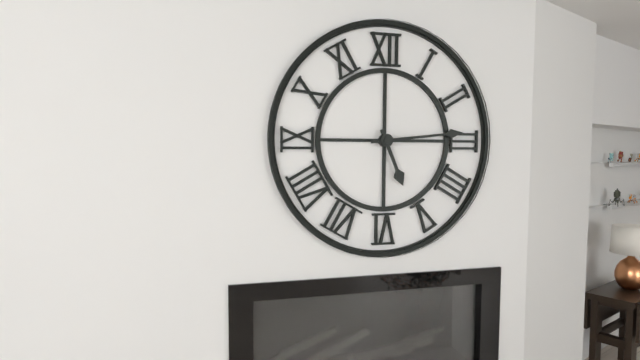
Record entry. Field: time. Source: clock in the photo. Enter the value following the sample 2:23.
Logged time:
5:14
